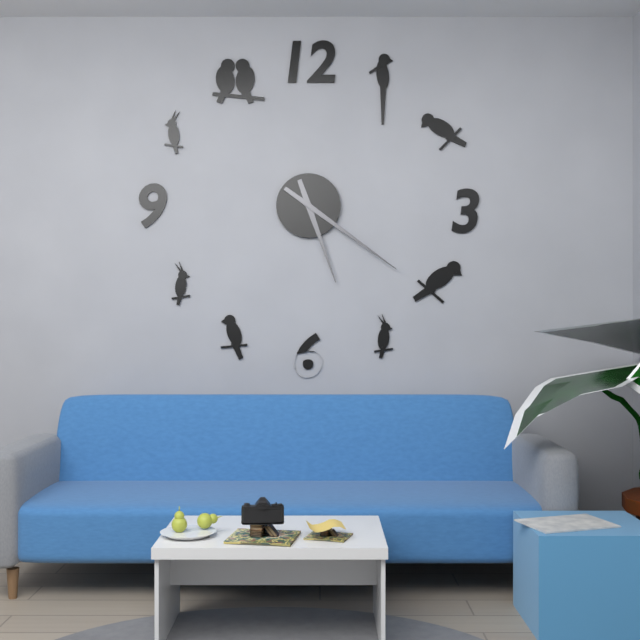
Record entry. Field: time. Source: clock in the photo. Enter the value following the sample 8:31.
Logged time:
5:21
